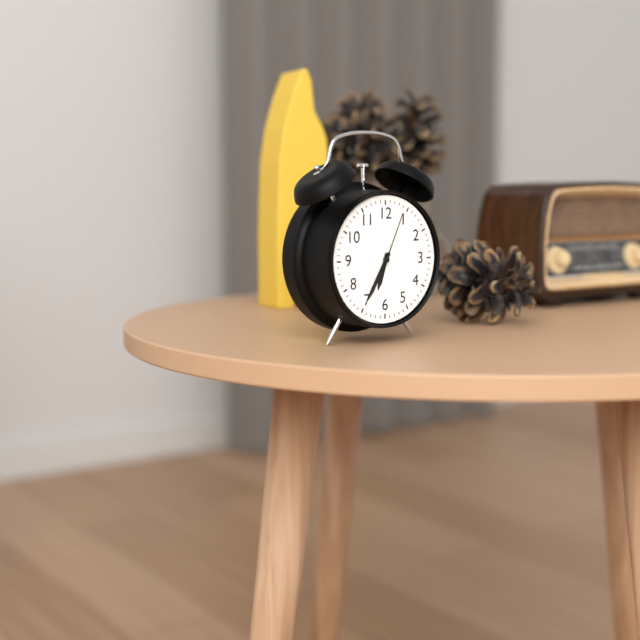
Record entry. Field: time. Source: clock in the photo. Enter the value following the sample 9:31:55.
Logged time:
6:35:04
